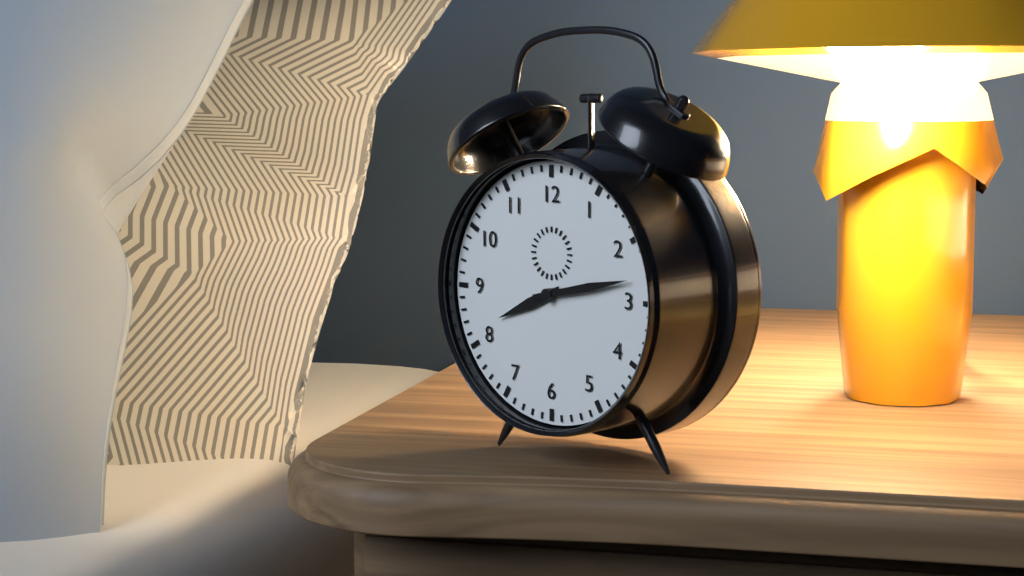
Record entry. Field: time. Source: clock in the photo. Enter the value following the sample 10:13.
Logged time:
8:13
